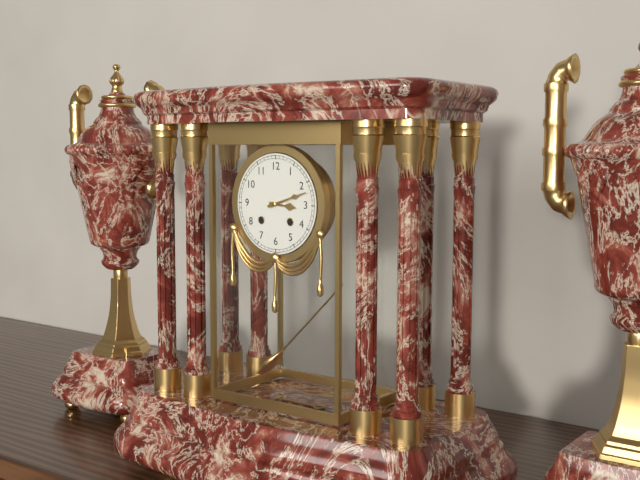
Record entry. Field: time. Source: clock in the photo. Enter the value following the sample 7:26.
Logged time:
3:12
